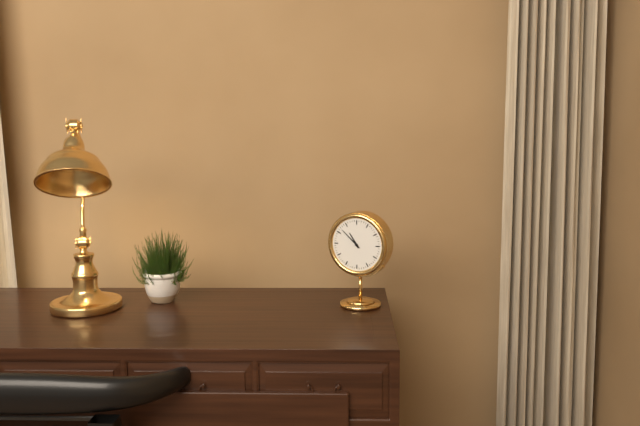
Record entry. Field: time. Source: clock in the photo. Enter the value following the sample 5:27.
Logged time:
10:52
